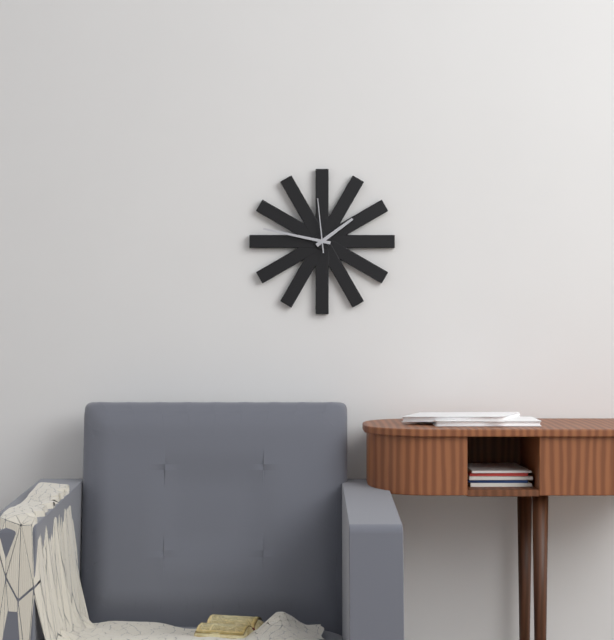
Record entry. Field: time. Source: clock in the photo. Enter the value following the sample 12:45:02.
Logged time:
1:47:59
